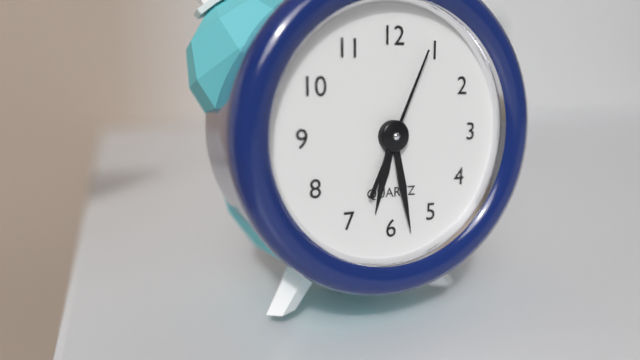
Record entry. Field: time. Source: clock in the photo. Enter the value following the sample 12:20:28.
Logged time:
6:28:04
